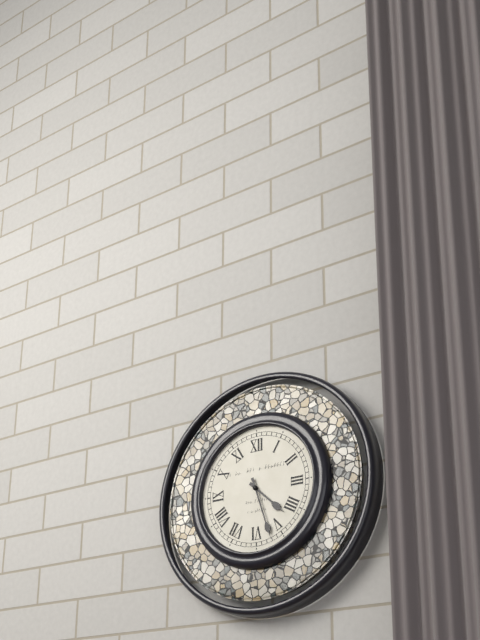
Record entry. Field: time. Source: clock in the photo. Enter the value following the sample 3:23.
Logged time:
4:27
